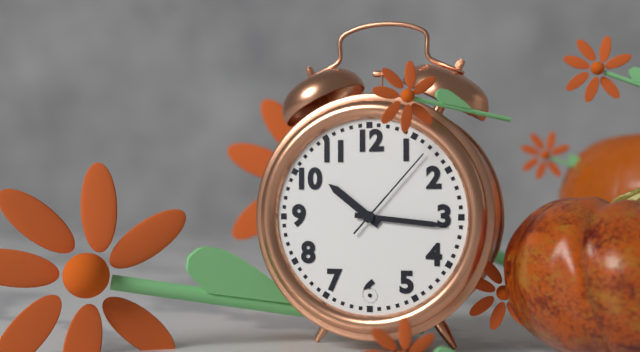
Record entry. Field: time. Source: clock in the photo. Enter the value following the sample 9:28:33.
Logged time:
10:16:07
